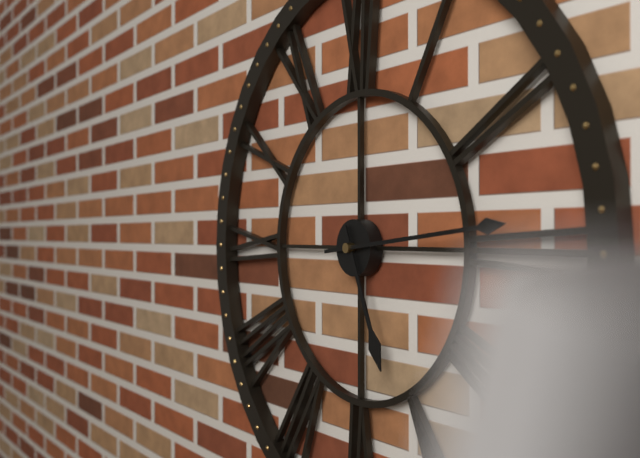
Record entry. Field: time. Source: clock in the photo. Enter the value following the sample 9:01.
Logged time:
5:14
